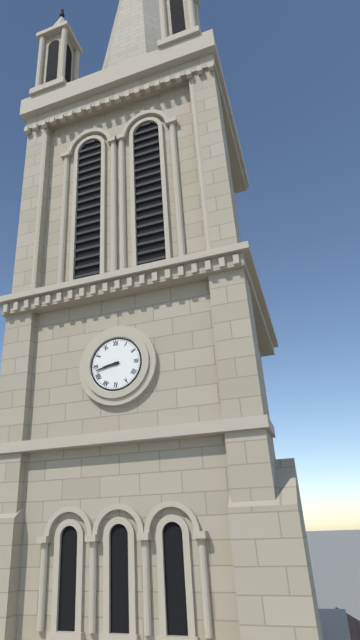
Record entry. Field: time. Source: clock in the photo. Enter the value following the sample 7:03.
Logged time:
8:43
